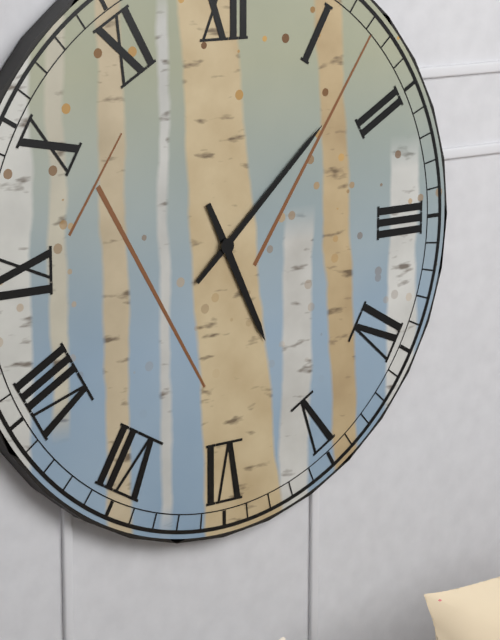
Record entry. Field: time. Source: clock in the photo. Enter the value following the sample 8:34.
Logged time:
5:08
